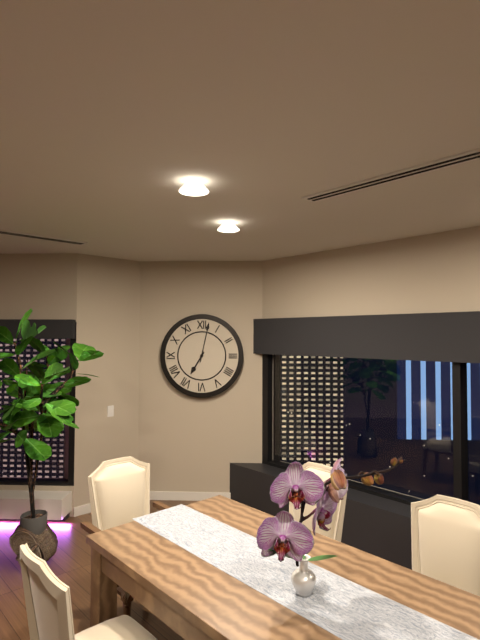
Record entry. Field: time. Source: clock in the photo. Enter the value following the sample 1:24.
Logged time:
7:02
